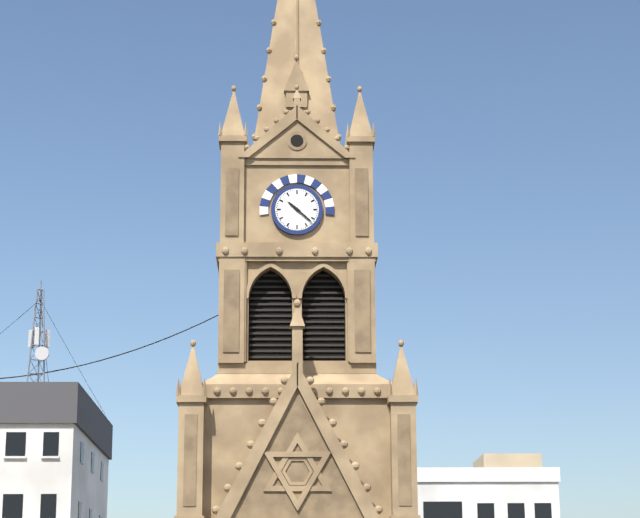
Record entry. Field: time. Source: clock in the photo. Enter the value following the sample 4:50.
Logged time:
10:22
